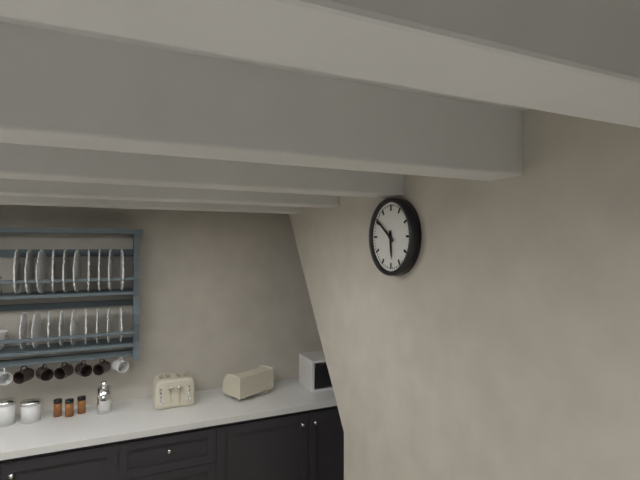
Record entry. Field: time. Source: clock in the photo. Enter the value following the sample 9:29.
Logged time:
5:51
